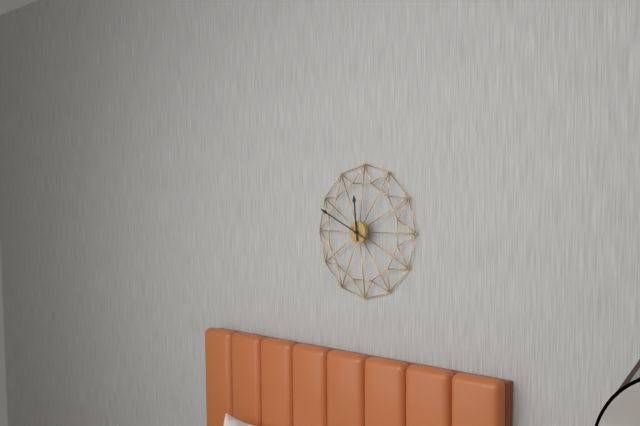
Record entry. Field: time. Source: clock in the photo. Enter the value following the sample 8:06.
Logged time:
11:49
